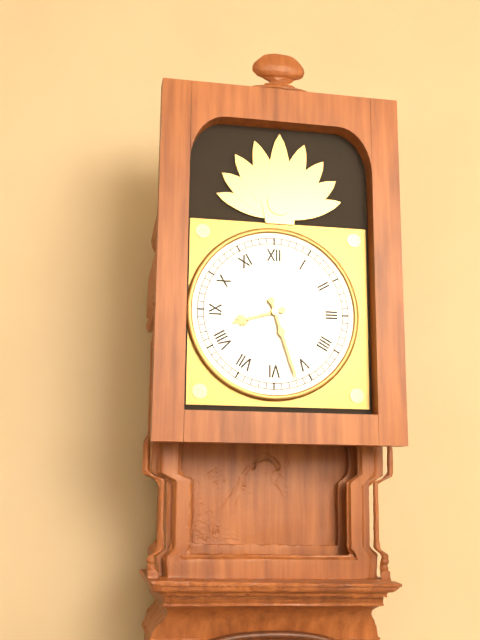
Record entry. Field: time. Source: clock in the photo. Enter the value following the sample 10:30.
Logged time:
8:27
